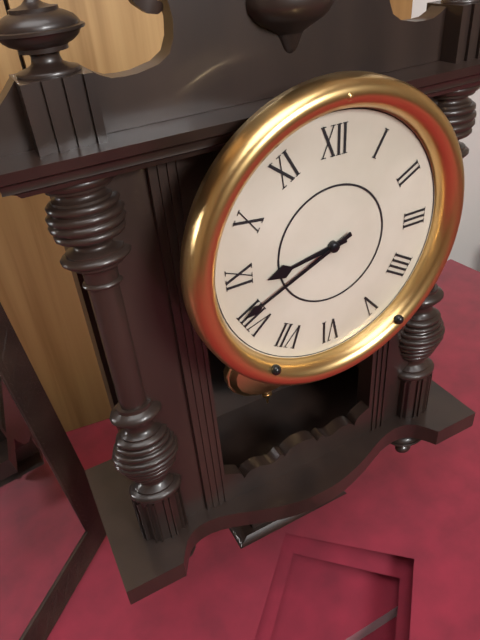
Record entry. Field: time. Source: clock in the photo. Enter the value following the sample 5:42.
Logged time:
8:41
